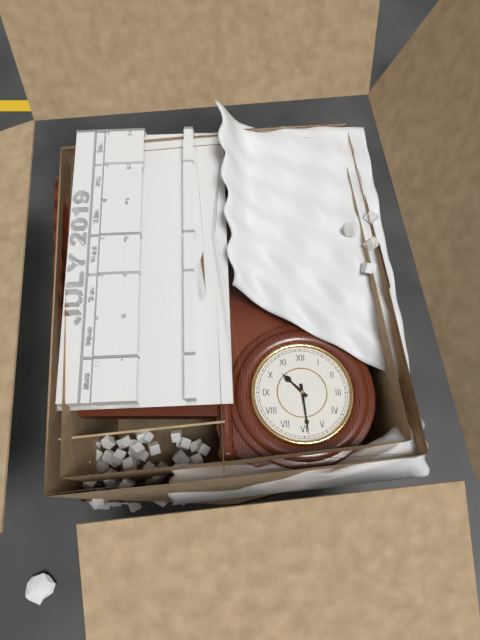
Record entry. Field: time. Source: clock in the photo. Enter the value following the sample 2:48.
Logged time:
10:29
